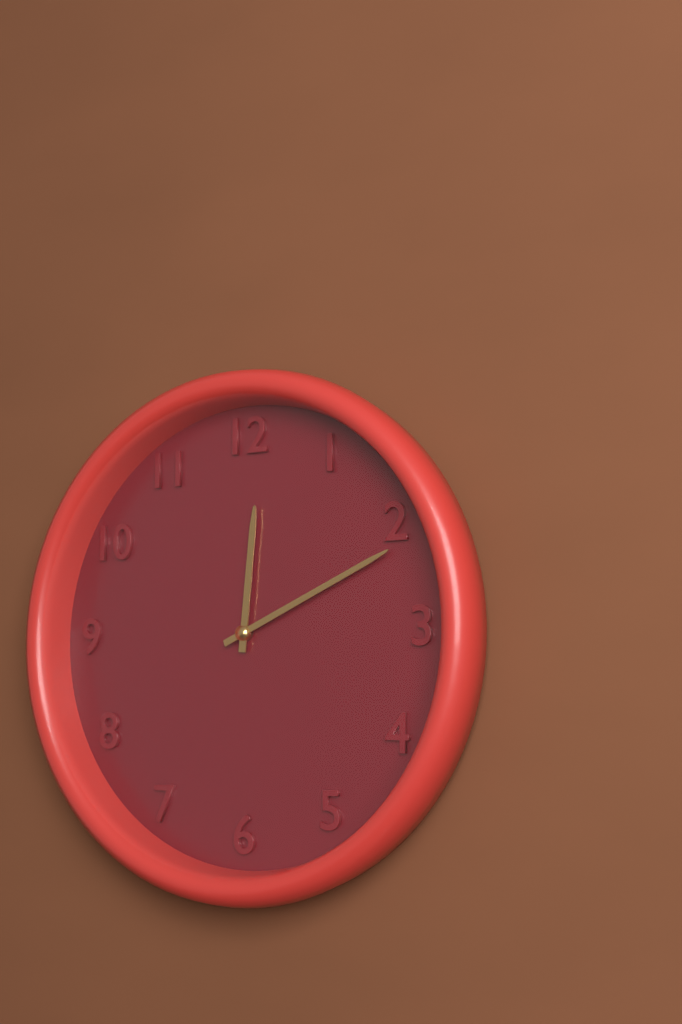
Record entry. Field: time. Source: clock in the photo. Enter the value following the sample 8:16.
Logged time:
12:11
